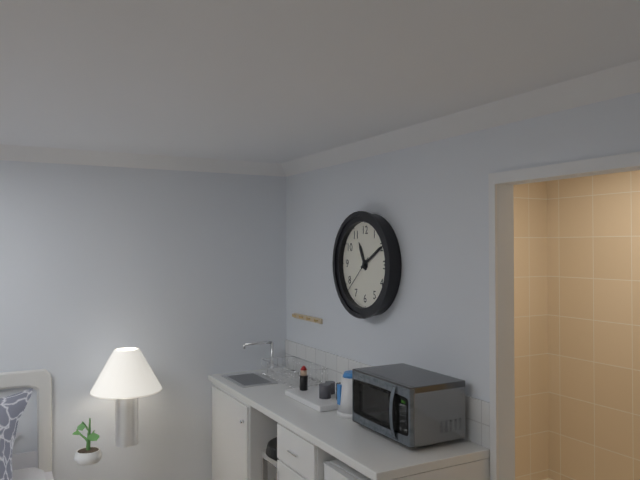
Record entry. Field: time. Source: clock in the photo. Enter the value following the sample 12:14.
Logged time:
11:10
